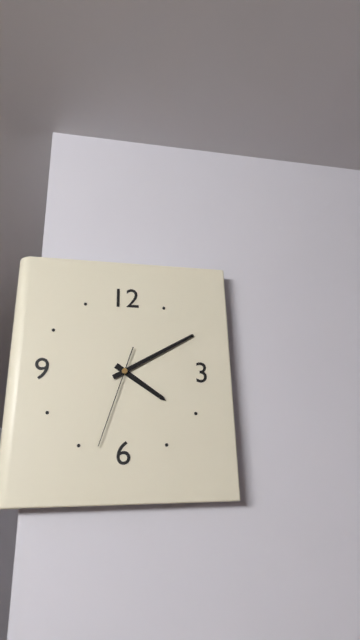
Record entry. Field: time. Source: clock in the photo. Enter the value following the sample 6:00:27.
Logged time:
4:10:33
